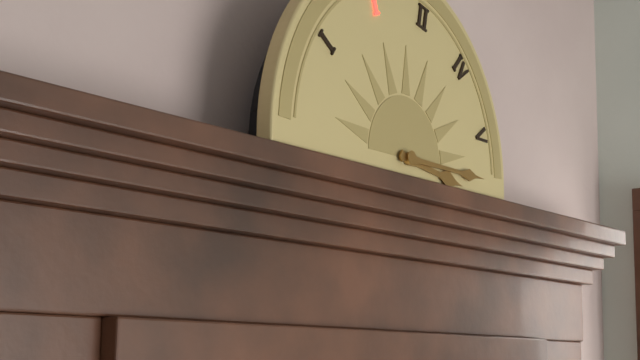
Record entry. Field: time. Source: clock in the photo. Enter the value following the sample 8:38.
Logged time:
3:15
